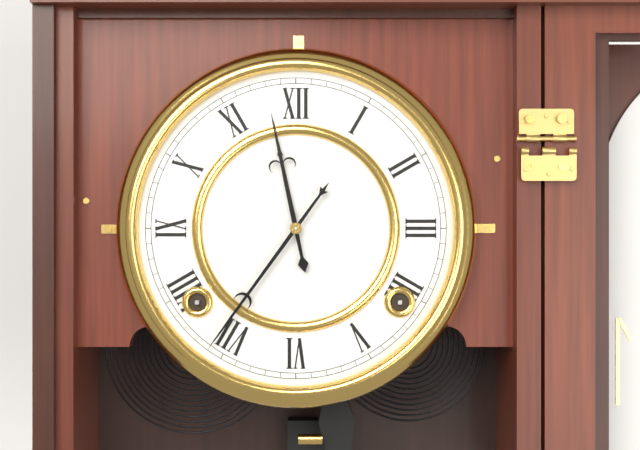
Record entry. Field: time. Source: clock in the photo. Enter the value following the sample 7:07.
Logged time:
11:36
